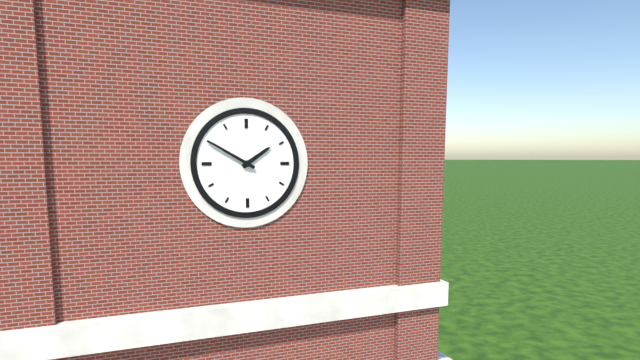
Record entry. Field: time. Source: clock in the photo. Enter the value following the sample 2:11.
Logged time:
1:50
